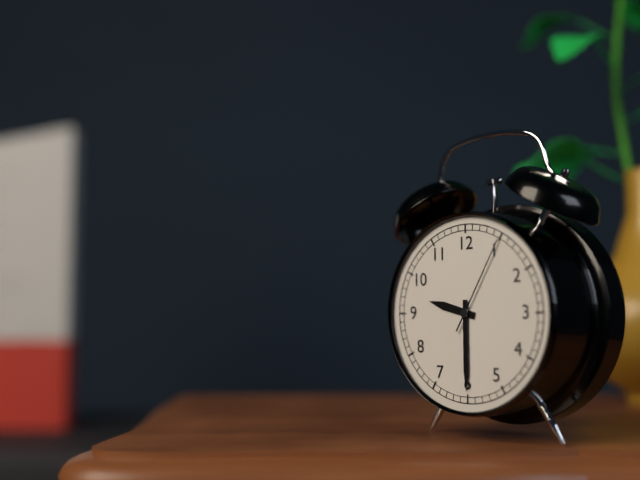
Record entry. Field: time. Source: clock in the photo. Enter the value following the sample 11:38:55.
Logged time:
9:30:05
